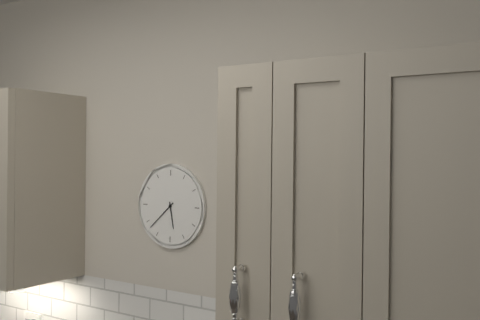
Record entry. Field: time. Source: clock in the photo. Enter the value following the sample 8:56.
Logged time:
5:38
